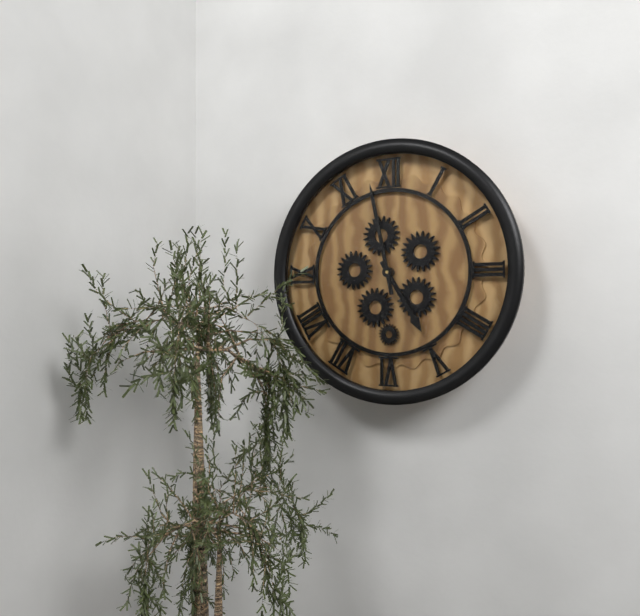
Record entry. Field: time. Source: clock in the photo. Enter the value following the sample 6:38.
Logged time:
4:58
